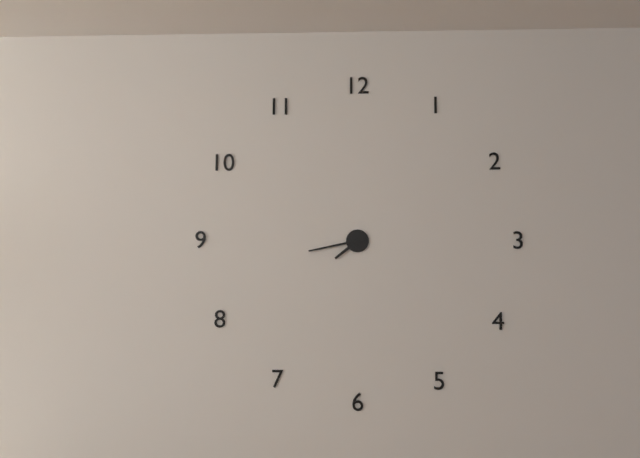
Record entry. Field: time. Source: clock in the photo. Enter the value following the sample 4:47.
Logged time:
7:43
